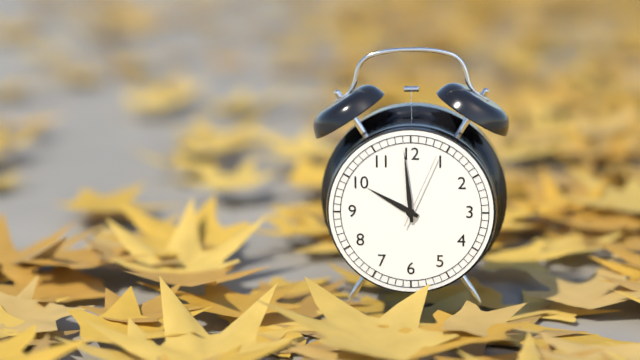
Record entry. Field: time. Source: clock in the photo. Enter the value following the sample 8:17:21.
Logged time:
9:59:04
